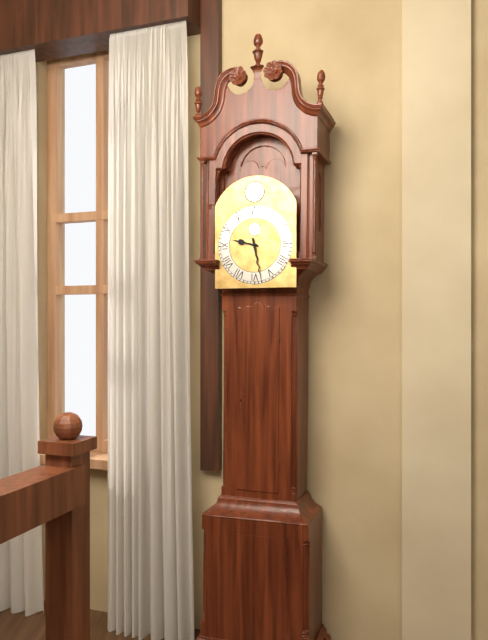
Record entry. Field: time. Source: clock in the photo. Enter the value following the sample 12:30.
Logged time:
9:28
